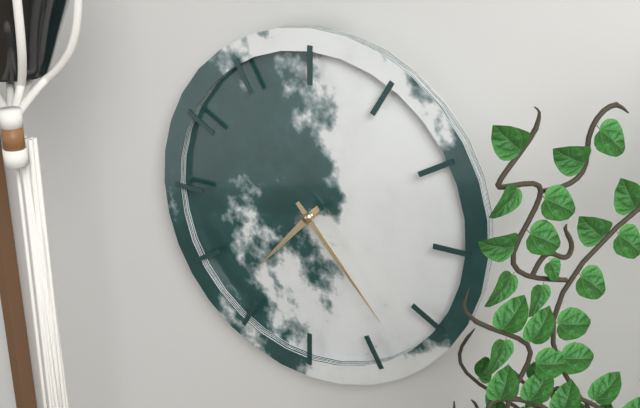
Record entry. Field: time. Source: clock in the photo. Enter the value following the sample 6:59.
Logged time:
7:23
